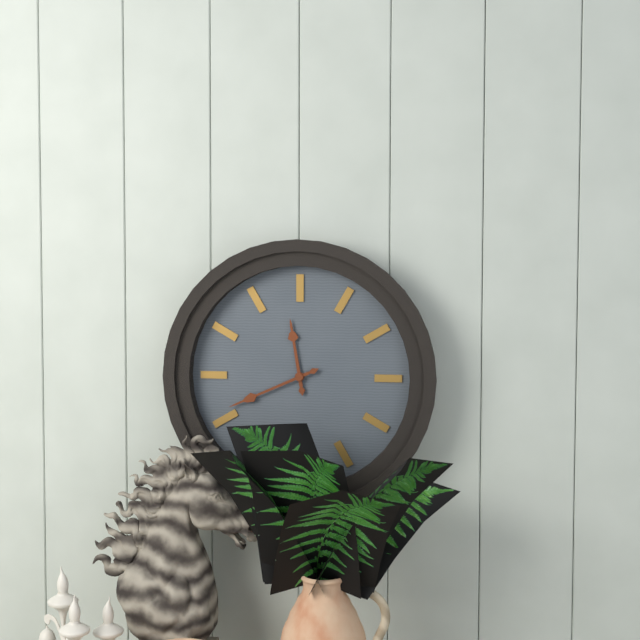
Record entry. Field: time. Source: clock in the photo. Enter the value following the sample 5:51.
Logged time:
11:41
